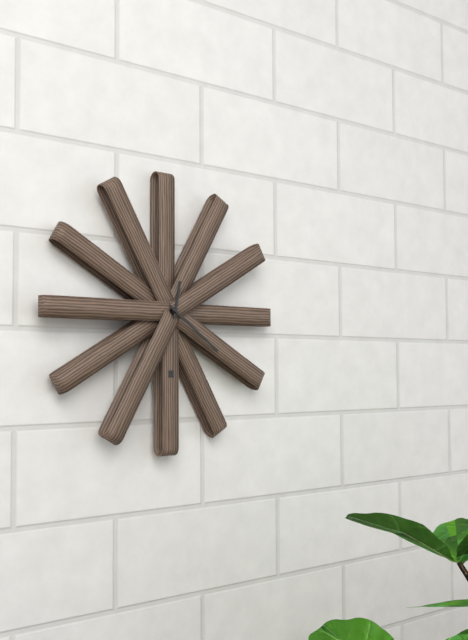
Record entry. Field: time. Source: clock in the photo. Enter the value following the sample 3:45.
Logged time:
12:21
